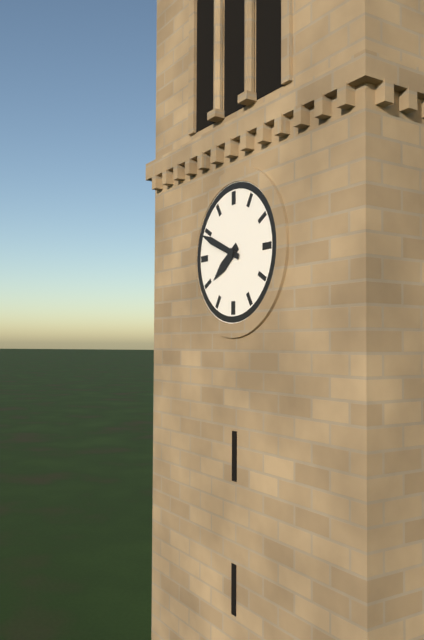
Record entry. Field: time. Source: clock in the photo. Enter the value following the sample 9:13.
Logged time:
7:49
